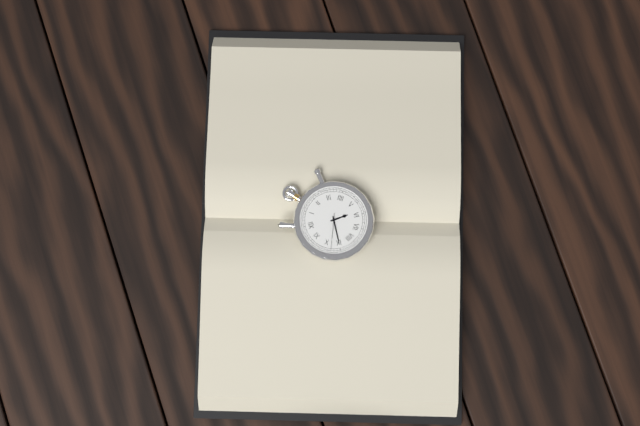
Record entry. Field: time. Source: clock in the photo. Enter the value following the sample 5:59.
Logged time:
5:45
